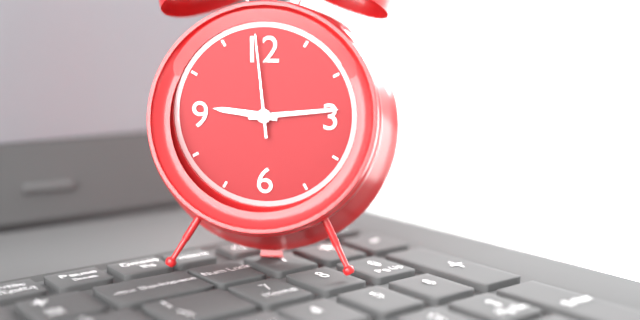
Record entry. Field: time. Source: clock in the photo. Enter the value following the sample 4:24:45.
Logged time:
9:14:59
